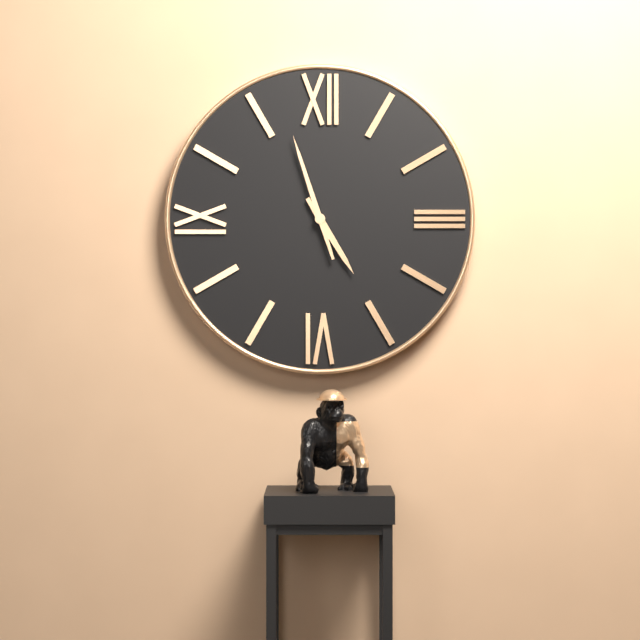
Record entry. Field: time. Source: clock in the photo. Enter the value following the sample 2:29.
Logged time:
4:57
